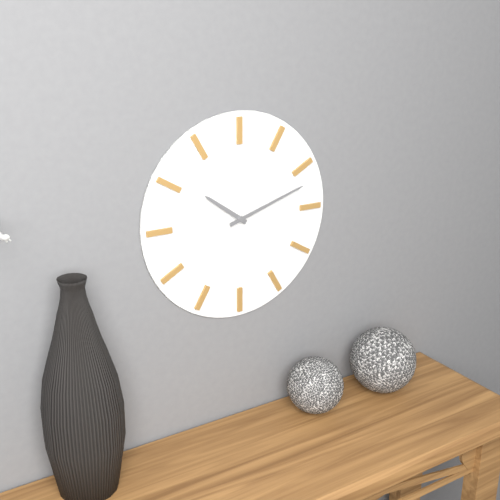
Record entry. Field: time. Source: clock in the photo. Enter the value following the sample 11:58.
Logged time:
10:12
